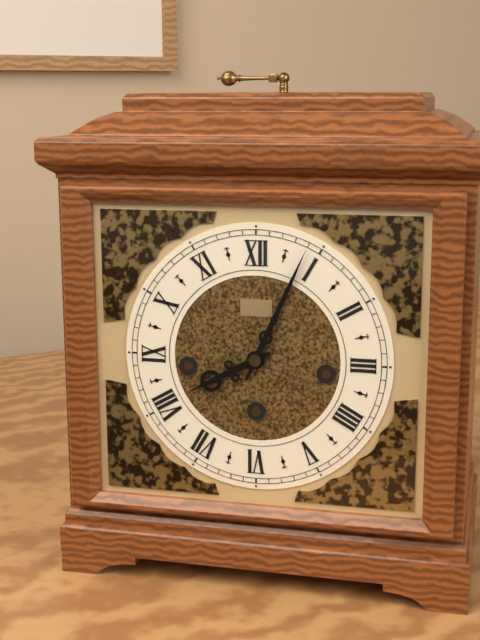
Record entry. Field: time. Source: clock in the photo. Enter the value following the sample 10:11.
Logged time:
8:04
